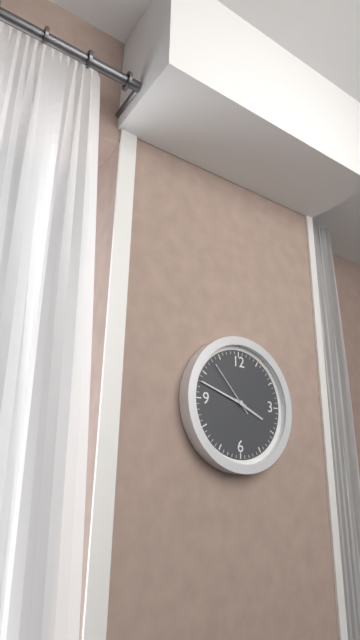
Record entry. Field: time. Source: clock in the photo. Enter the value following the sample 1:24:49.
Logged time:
3:48:53
